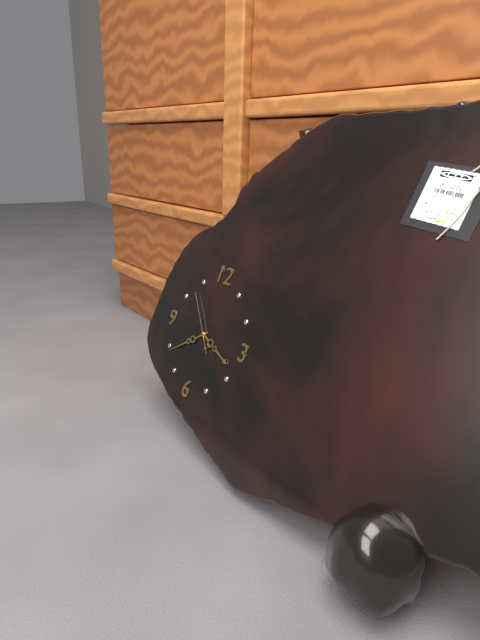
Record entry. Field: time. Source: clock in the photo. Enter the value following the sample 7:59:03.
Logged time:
3:39:53
